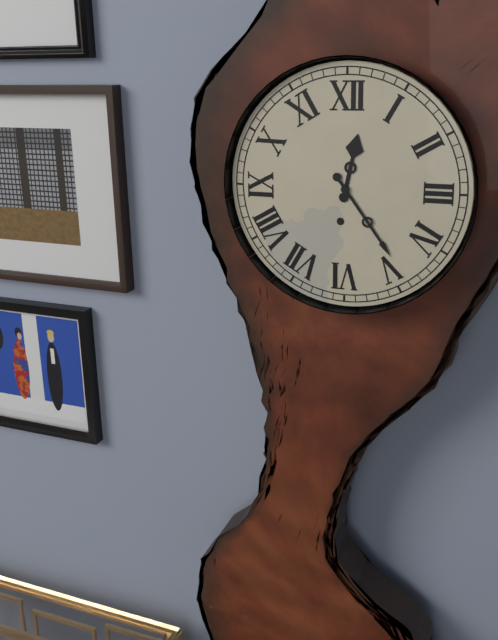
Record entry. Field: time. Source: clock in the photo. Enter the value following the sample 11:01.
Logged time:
12:24
